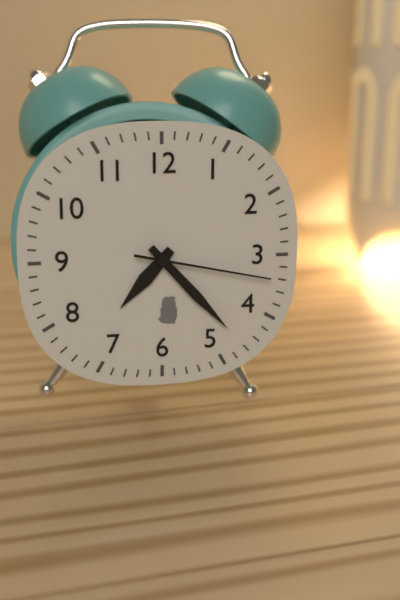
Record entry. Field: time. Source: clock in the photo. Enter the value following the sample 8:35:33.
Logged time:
7:23:17
